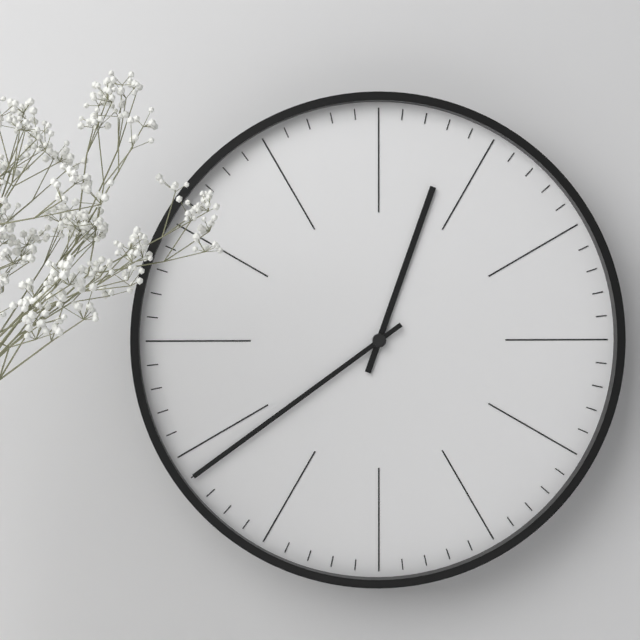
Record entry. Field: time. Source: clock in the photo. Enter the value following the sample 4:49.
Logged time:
12:39
